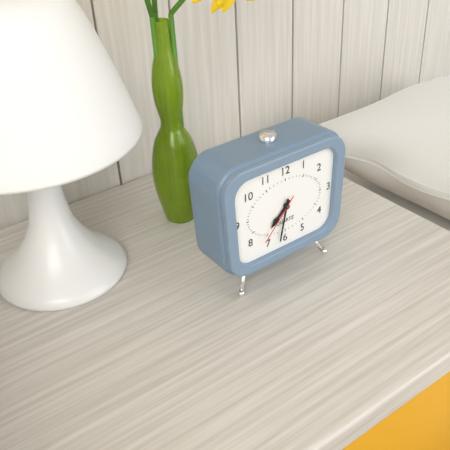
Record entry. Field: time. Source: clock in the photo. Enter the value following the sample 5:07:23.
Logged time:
7:32:37
